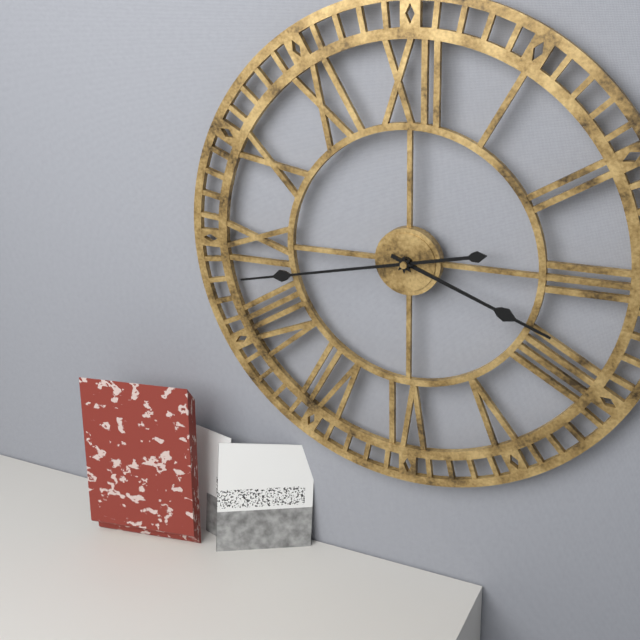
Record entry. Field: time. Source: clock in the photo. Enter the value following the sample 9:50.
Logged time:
3:43
